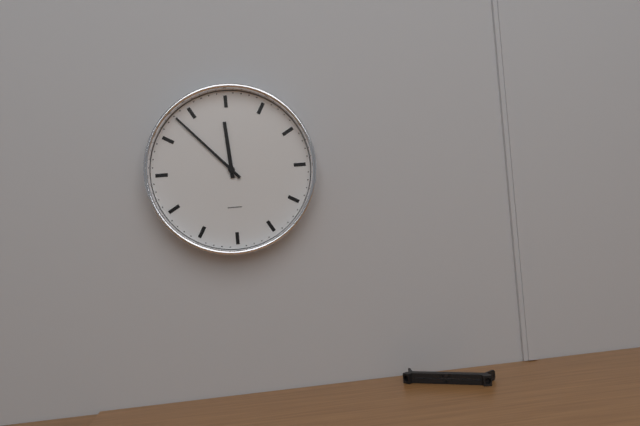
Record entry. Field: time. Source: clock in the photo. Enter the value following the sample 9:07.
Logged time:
11:53
